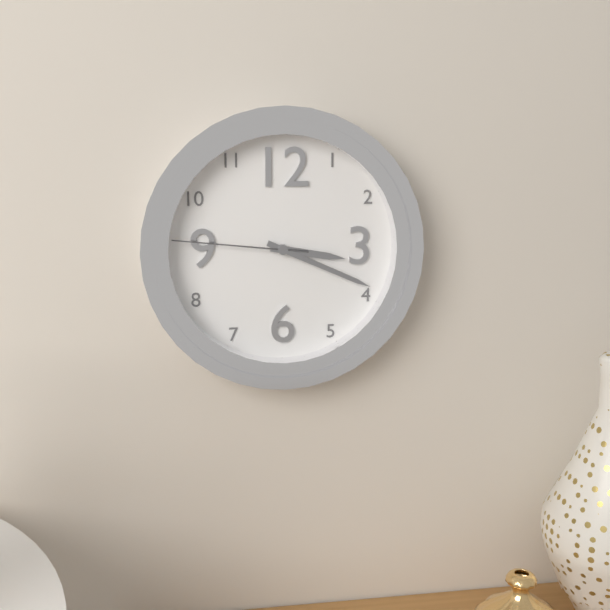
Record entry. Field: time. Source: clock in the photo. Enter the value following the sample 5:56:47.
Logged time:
3:19:46
